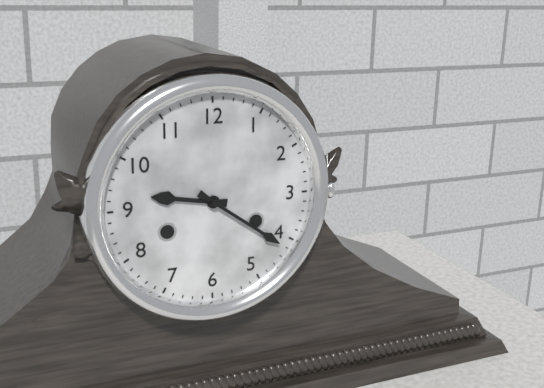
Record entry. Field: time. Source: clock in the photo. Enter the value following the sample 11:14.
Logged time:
9:21
